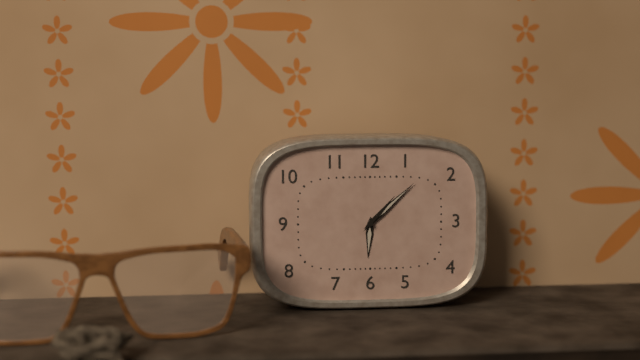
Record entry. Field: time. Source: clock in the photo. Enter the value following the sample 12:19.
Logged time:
6:08
